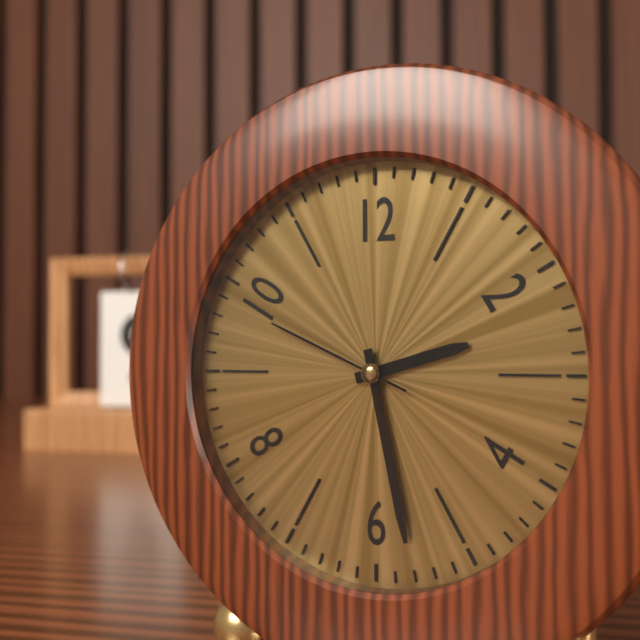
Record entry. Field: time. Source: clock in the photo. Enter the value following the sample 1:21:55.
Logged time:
2:28:49
